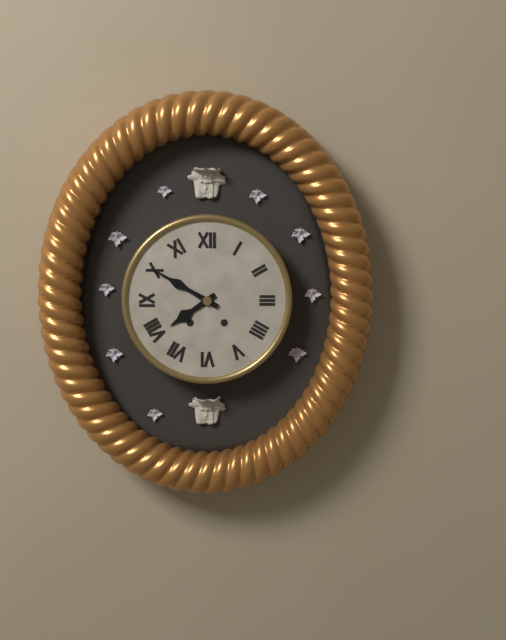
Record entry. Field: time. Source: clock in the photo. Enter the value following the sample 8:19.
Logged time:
7:50
